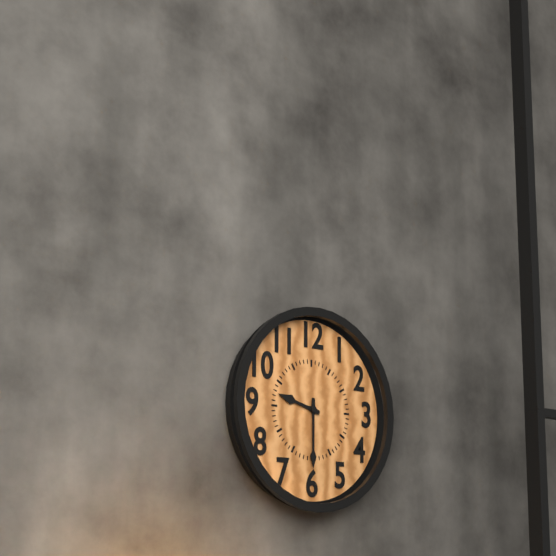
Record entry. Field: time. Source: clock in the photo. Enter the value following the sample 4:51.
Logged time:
9:30
